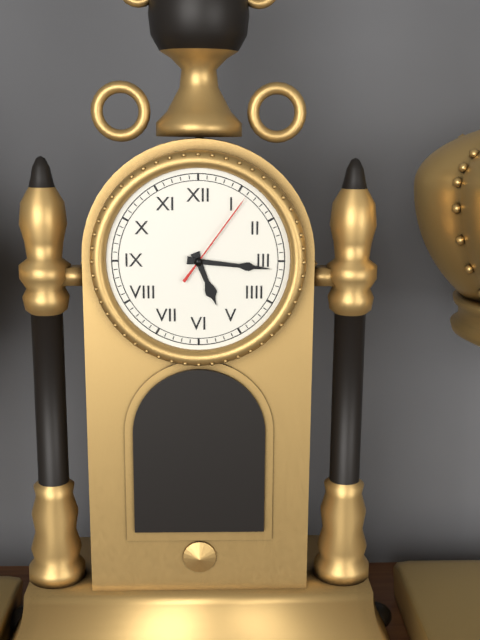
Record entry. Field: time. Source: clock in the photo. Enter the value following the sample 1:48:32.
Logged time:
5:16:06
